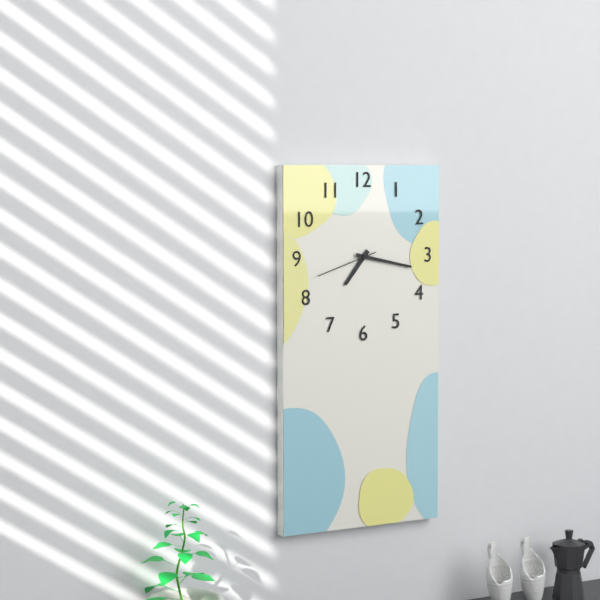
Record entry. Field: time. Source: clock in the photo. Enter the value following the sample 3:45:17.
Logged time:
7:17:42
